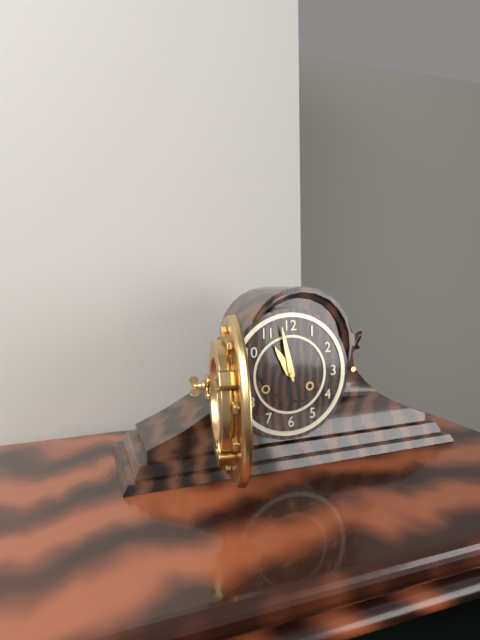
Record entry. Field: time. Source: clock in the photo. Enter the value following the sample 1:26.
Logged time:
10:58
